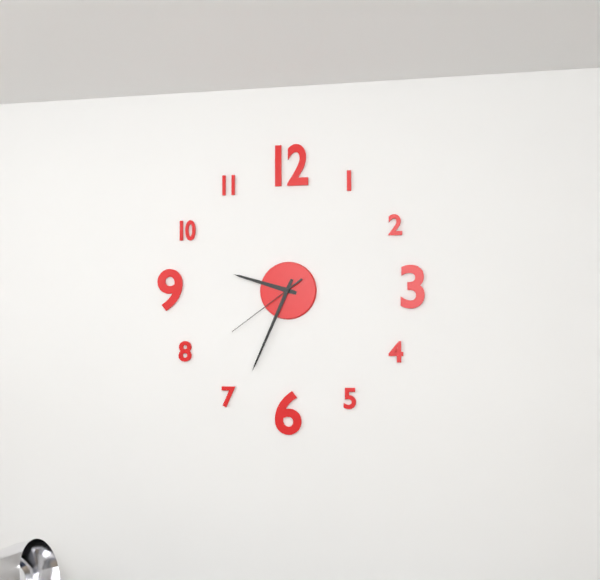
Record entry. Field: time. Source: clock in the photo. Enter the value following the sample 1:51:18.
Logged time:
9:34:39
